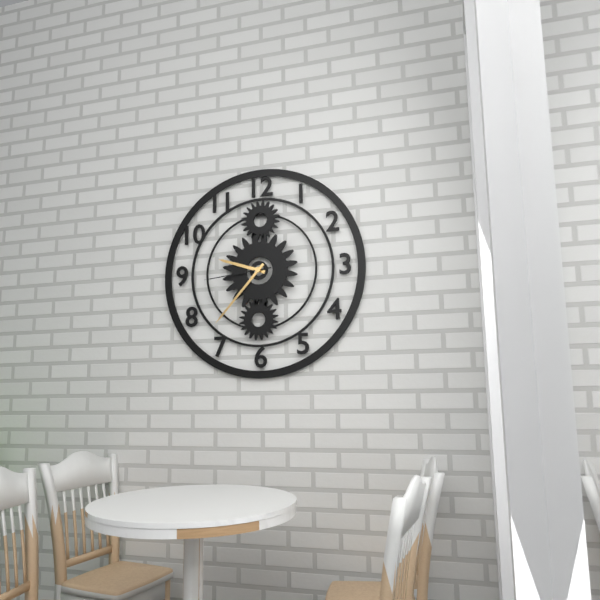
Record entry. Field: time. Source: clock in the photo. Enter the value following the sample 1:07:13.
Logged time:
9:37:44
